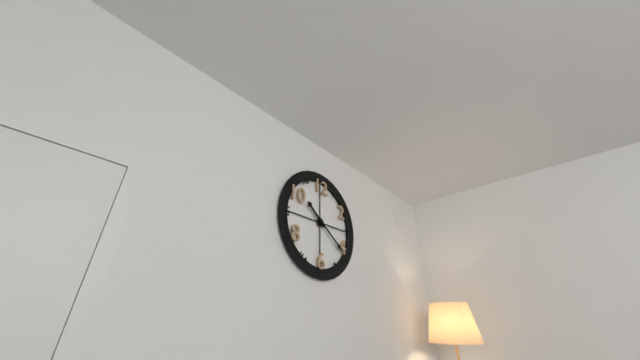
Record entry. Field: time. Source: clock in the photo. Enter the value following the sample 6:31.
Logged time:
10:21
